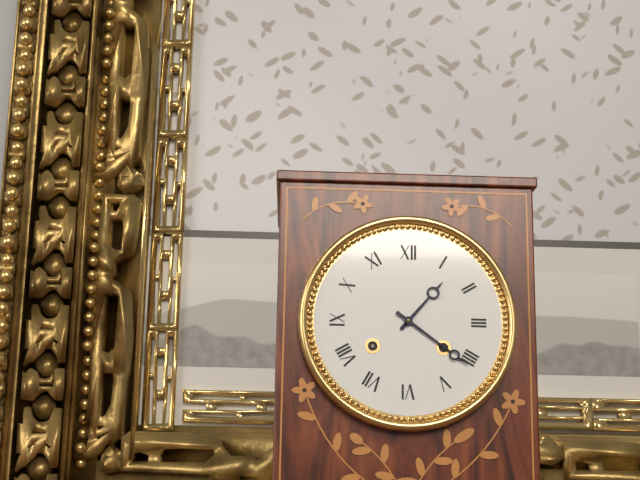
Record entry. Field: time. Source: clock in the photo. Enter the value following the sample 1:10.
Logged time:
1:21
